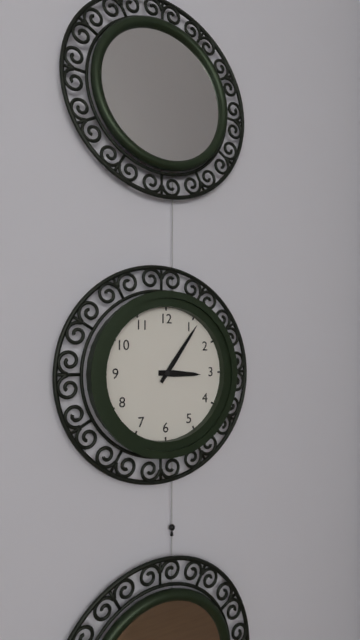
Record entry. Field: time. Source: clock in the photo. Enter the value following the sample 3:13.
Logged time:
3:06
